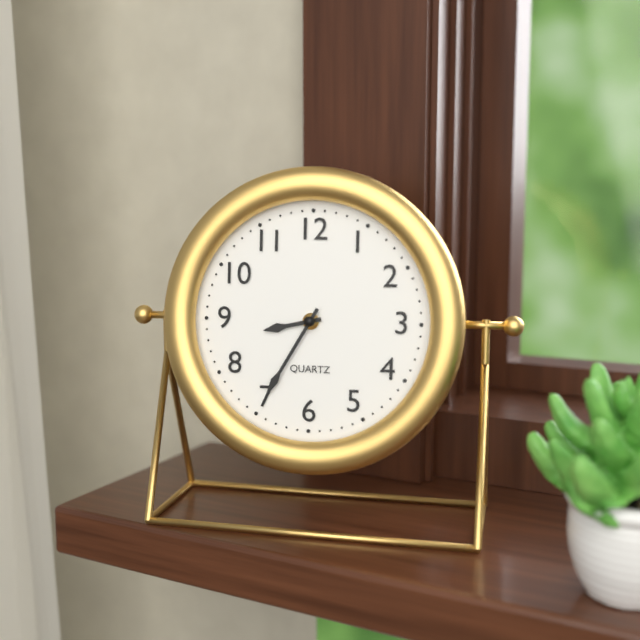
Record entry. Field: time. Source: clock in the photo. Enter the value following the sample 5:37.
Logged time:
8:35
